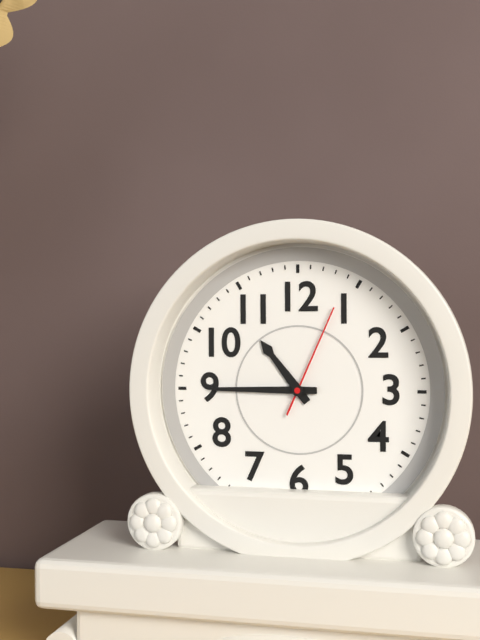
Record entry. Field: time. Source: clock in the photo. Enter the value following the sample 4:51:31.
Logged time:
10:45:04
